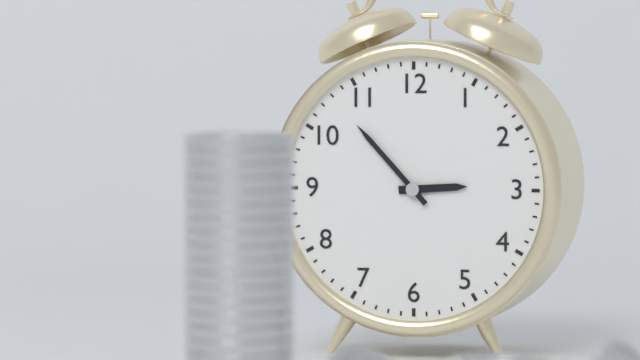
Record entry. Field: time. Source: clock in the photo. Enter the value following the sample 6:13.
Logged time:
2:53
